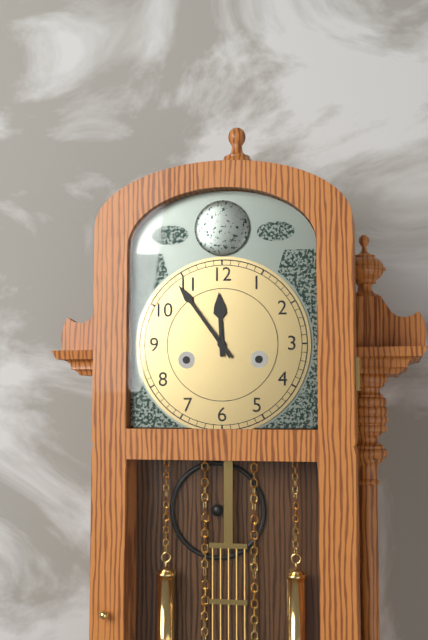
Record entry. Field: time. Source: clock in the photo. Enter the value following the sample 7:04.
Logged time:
11:54
